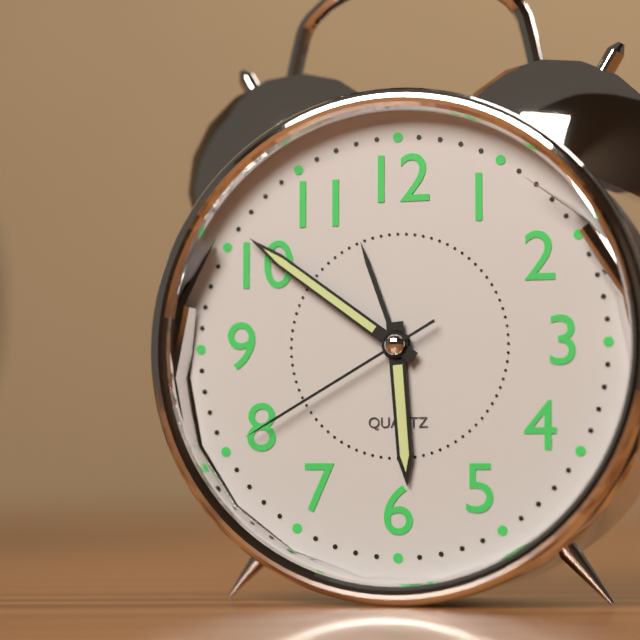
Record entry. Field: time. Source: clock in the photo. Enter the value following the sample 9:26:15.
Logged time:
5:51:40
